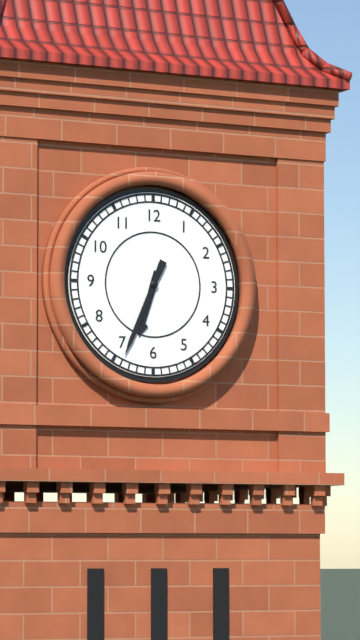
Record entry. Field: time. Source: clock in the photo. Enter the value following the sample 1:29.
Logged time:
6:34
